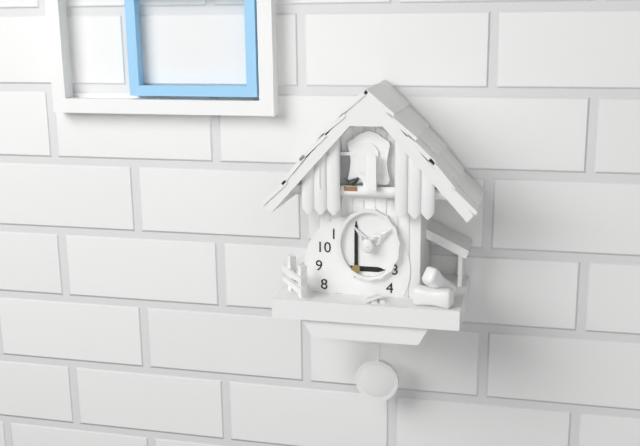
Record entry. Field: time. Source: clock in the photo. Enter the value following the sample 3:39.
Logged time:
3:00
